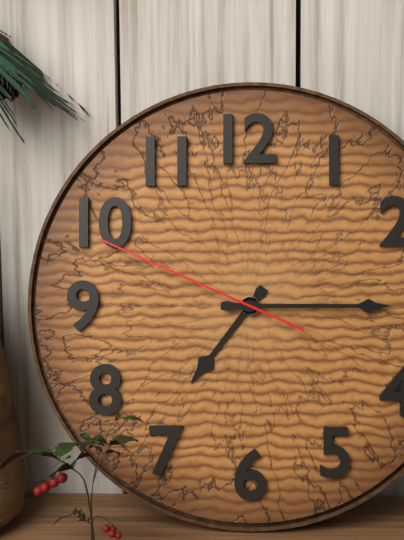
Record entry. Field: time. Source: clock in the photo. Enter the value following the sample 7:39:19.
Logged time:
7:15:49
